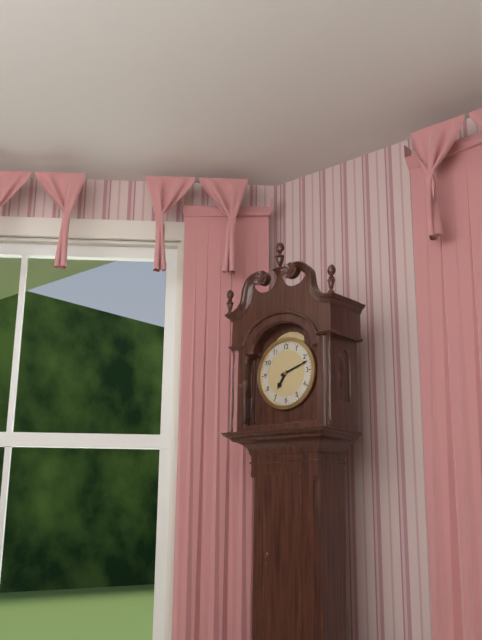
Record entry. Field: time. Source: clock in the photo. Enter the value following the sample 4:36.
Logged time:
7:12
